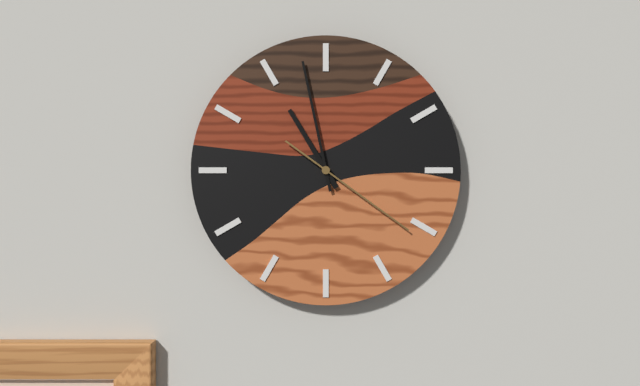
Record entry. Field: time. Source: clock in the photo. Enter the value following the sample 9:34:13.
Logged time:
10:58:21
